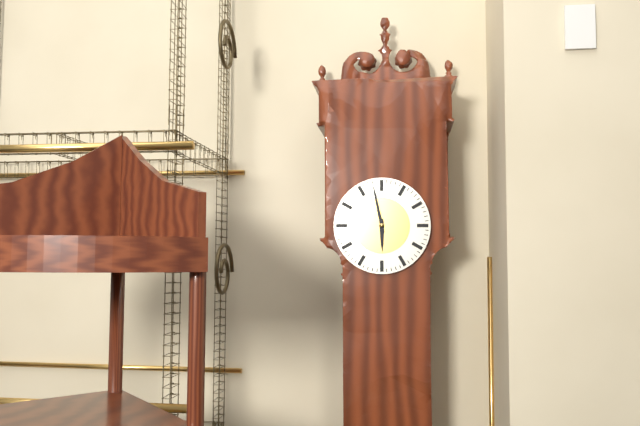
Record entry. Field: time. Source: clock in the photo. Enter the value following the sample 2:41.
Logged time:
5:58
